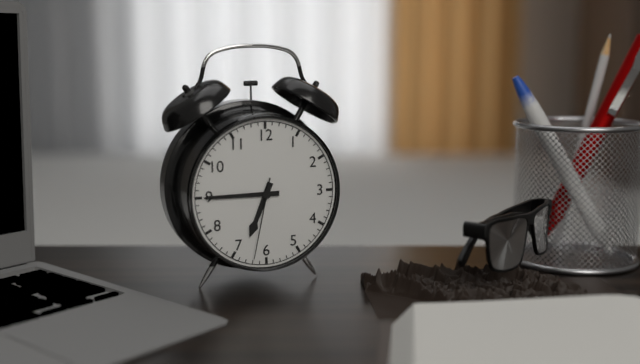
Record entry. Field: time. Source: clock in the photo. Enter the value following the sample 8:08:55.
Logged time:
6:45:32
